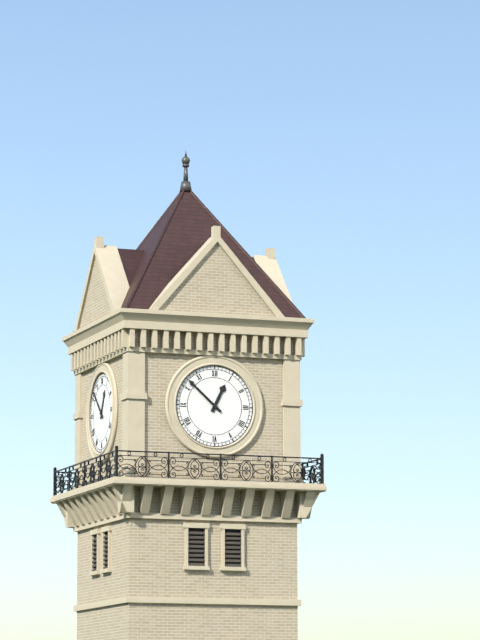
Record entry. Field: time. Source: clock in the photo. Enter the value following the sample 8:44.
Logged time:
12:52
